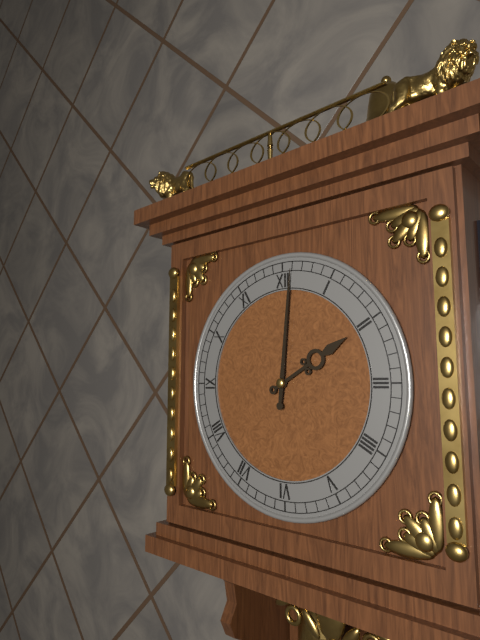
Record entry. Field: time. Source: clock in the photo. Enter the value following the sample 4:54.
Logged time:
2:01
